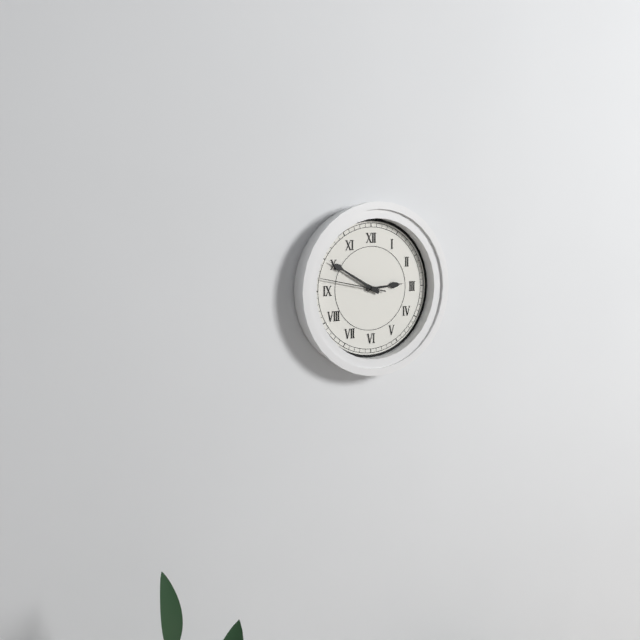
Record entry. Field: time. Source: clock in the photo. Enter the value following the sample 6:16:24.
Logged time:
2:50:47
